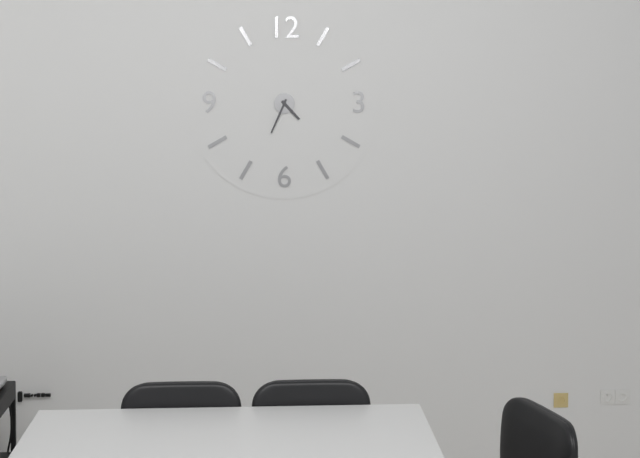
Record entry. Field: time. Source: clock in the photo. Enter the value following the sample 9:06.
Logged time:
4:34
